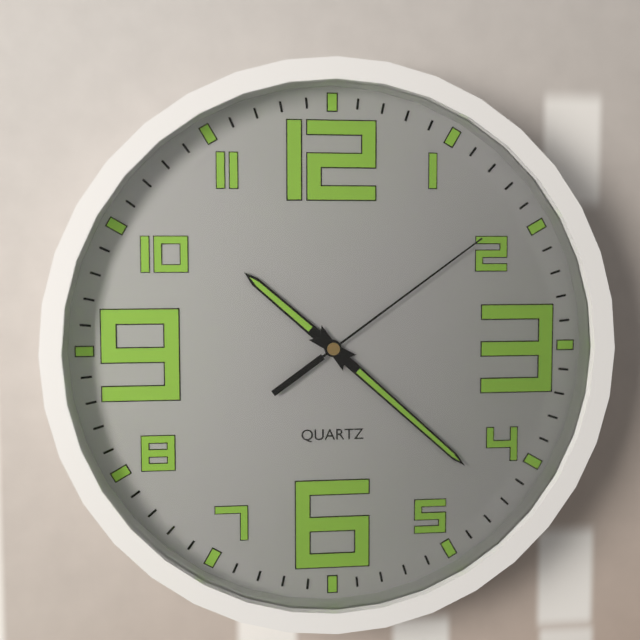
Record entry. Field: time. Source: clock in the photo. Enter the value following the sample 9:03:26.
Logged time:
10:22:09
